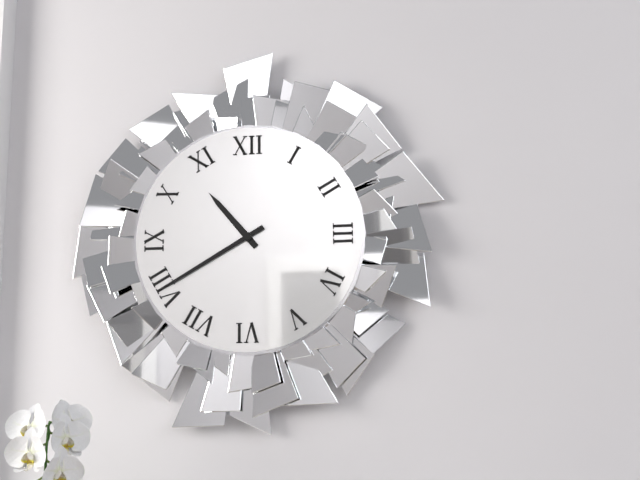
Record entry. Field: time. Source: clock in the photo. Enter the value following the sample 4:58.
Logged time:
10:40
